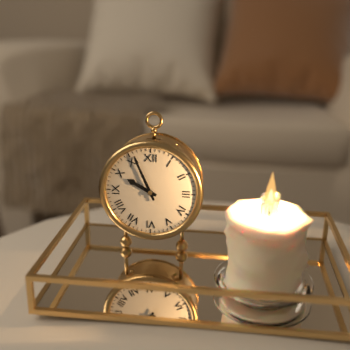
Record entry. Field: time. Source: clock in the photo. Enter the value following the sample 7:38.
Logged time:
9:56
